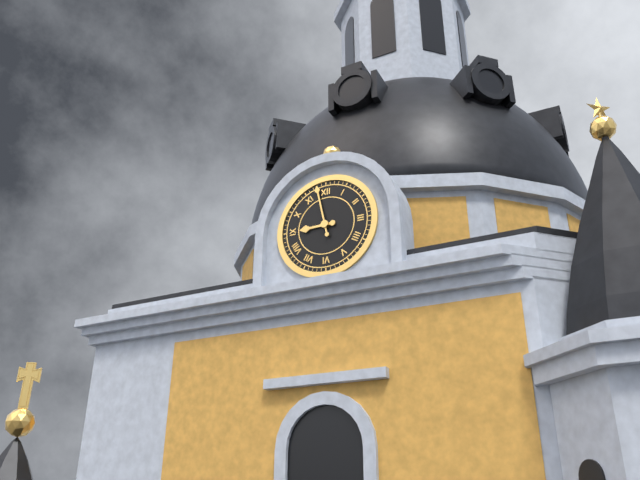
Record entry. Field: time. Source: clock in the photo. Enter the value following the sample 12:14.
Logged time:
8:58
